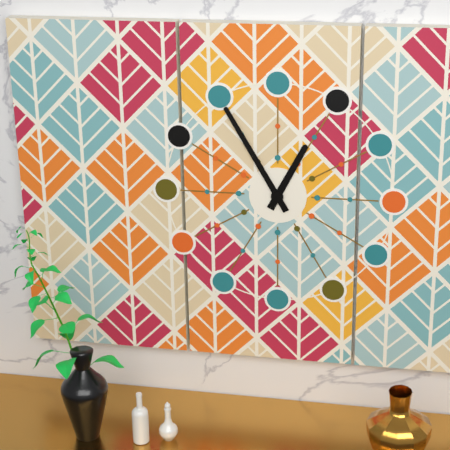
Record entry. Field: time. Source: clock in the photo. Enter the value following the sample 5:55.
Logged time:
12:55
